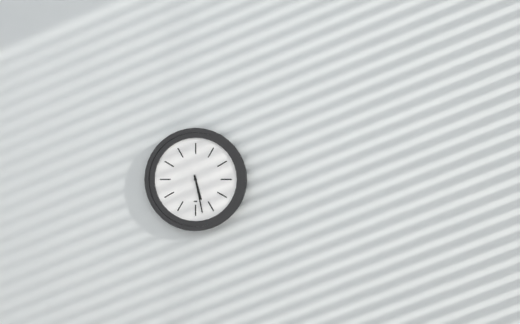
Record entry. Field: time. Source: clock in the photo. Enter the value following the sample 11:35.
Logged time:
5:28
